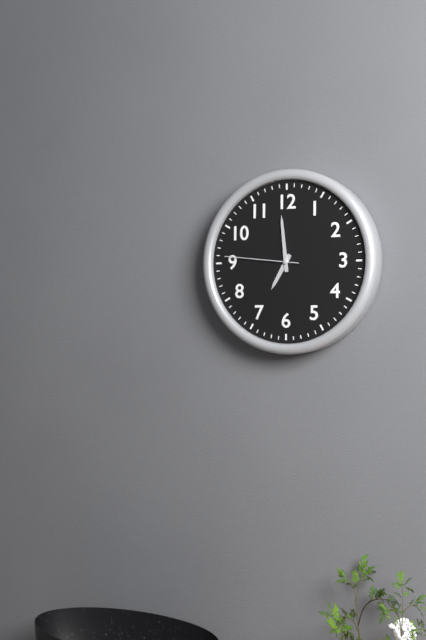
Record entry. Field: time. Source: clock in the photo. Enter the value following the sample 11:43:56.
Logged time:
6:59:46
